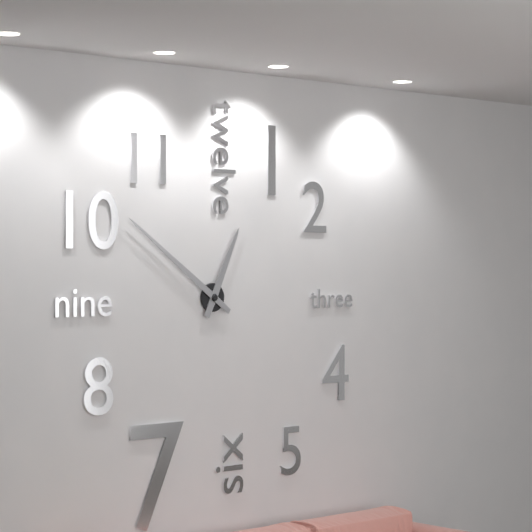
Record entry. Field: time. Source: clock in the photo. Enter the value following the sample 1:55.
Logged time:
12:51
